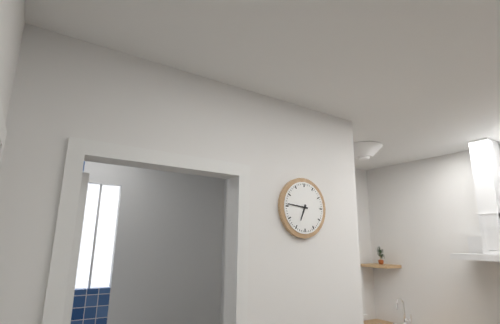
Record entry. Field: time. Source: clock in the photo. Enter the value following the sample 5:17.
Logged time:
6:46
